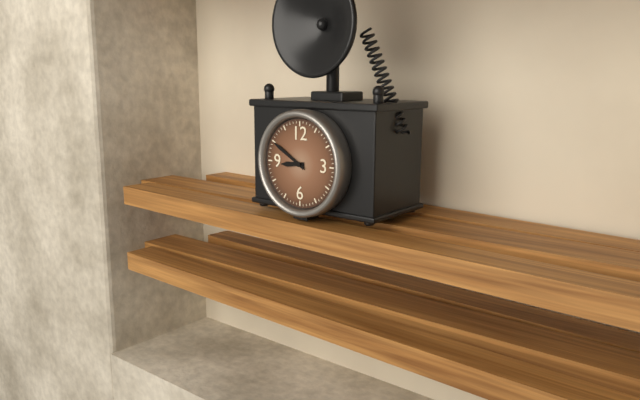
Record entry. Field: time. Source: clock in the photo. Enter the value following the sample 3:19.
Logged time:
8:50
